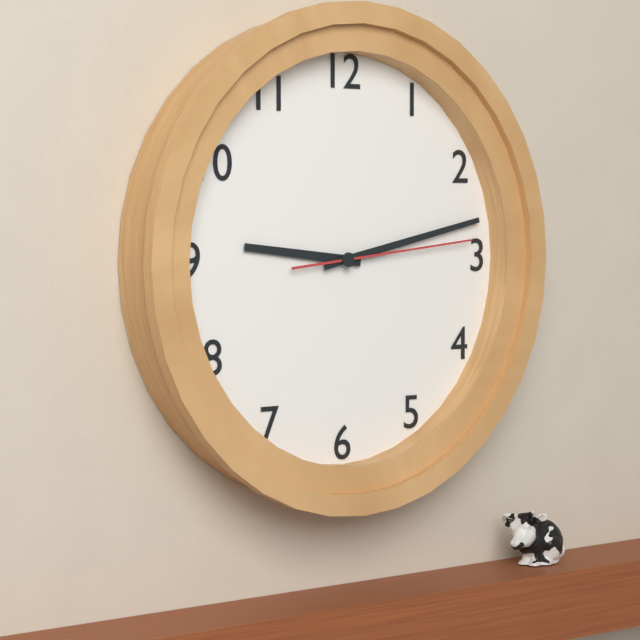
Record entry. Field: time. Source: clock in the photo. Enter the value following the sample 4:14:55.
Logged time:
9:13:14
